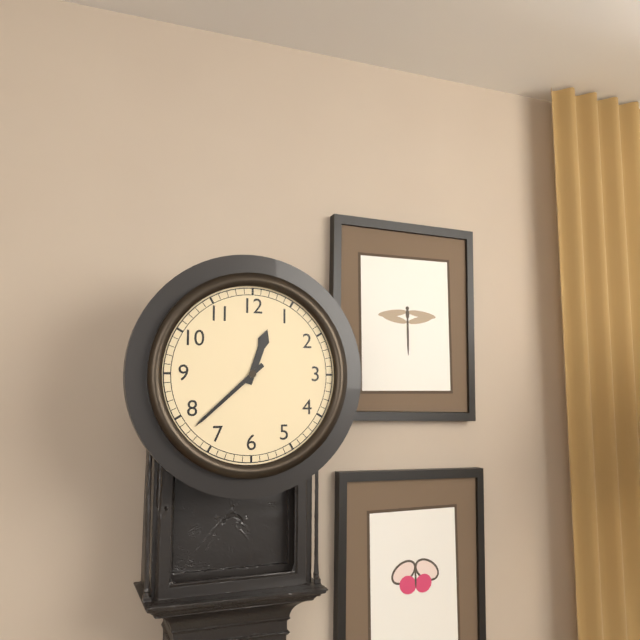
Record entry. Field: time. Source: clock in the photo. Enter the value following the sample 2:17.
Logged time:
12:38
